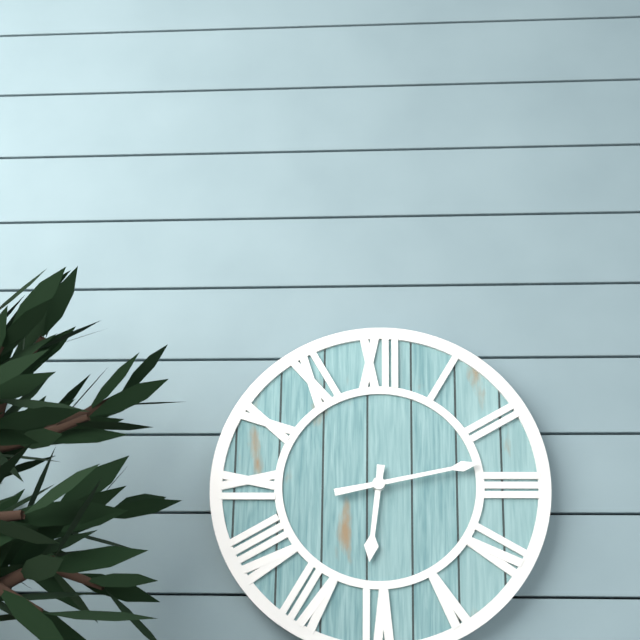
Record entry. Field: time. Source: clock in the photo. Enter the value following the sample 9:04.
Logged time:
6:13
